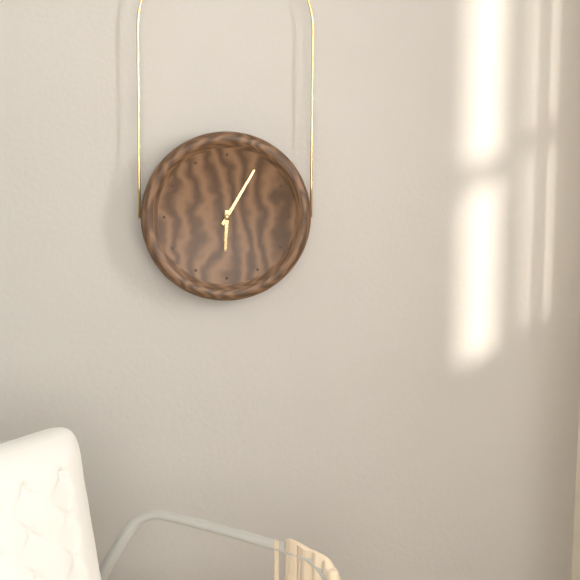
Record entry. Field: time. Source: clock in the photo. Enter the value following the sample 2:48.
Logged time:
6:05
